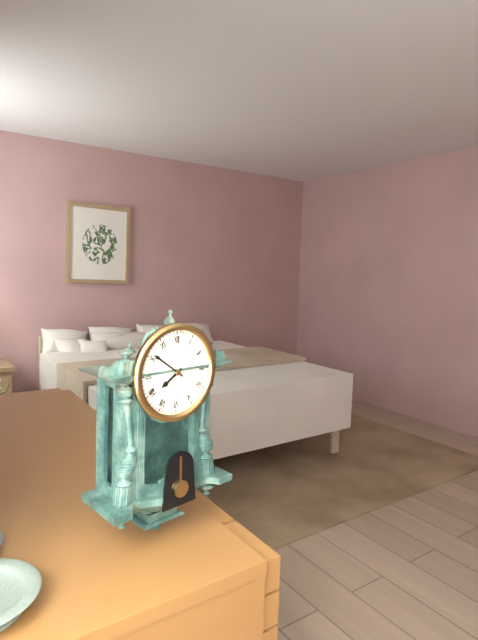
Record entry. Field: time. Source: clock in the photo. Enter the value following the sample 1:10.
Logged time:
7:51
